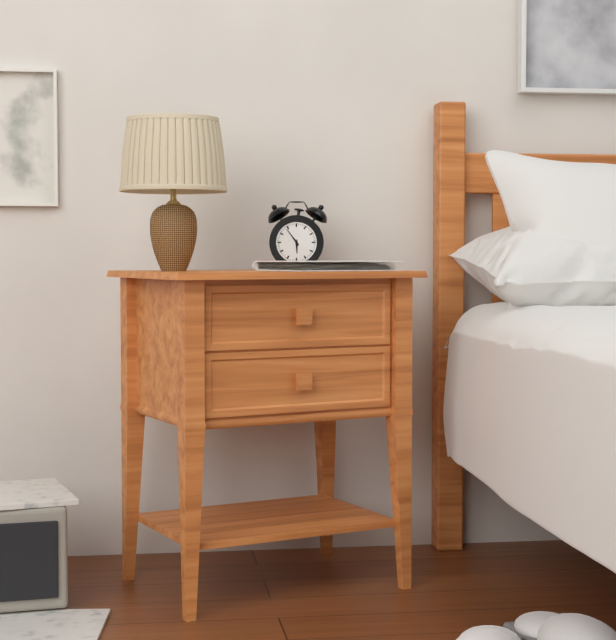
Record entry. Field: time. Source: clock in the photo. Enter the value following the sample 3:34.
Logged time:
5:54
